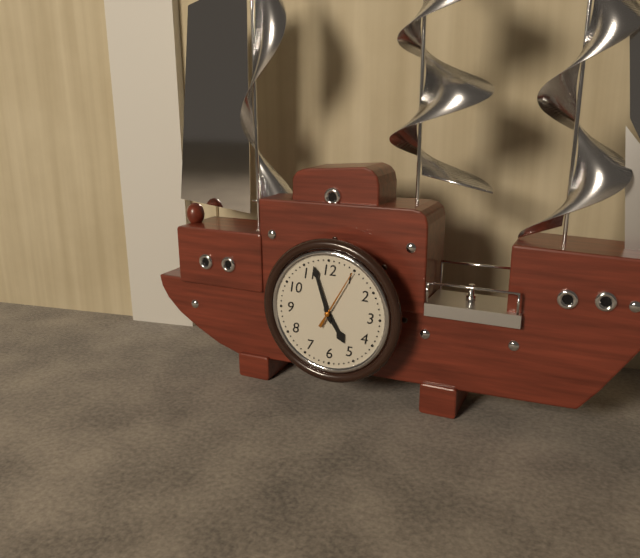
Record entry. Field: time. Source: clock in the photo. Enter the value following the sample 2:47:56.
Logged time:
4:57:05
